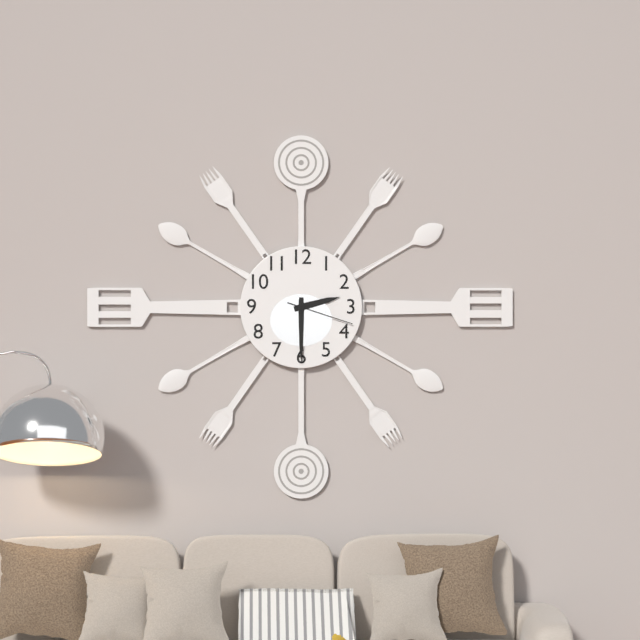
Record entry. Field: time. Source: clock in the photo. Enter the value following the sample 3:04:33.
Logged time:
2:30:18
